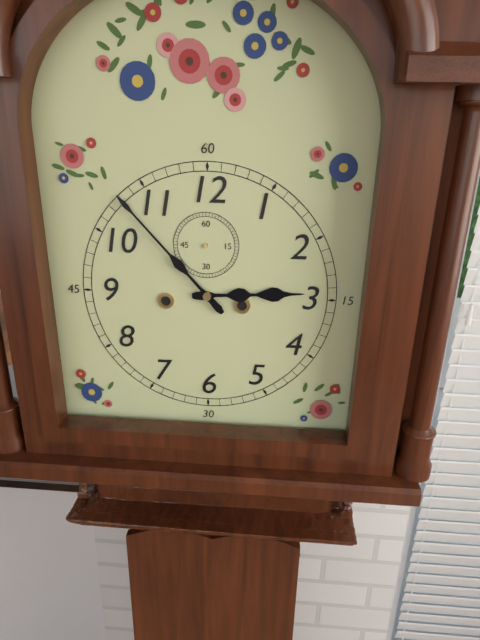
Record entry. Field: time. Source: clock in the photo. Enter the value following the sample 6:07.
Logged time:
2:53
